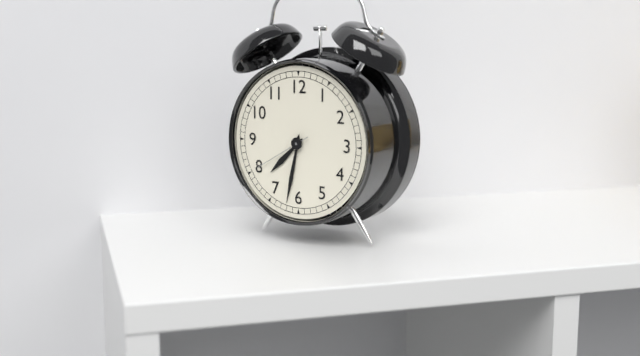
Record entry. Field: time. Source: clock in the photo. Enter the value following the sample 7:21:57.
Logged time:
7:32:40
